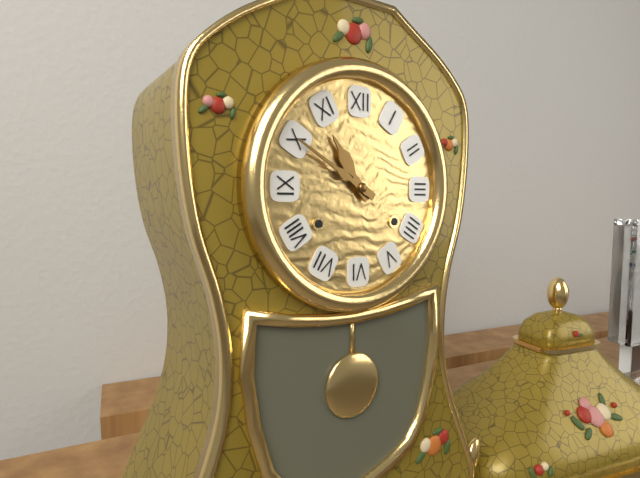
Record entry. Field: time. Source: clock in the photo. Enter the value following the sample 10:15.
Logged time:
10:50
